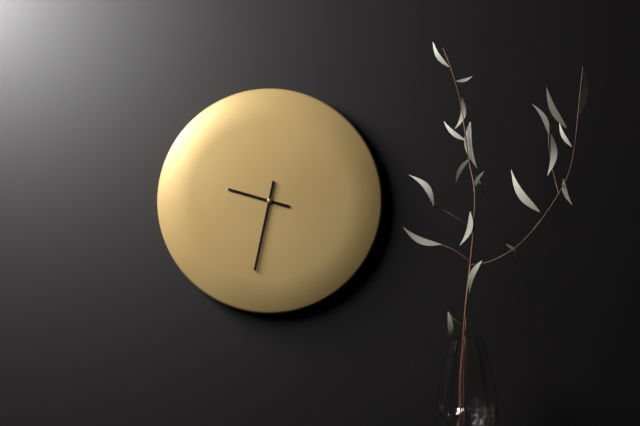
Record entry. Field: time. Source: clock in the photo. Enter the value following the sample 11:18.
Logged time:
9:32
